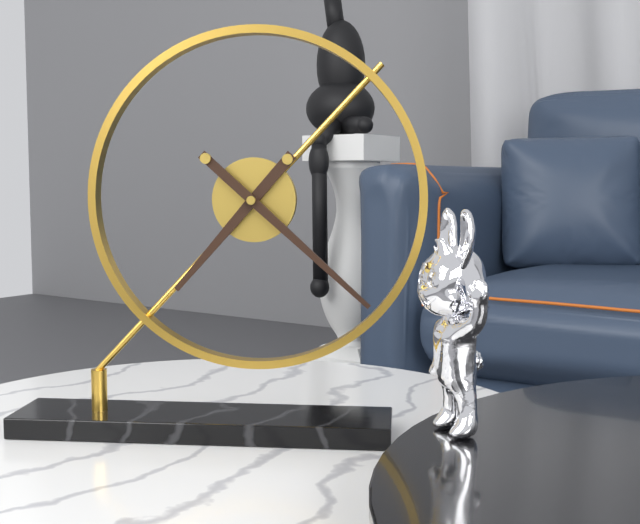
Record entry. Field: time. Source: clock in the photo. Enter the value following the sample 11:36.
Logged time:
7:22
